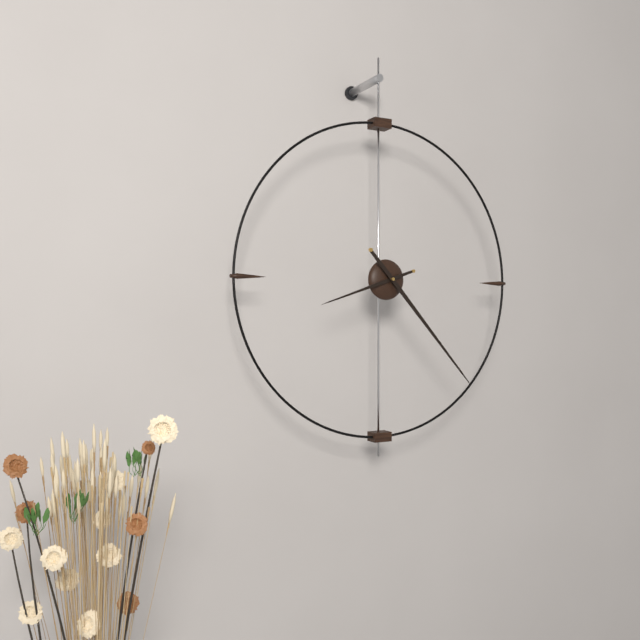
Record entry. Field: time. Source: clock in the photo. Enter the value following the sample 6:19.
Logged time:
8:23
